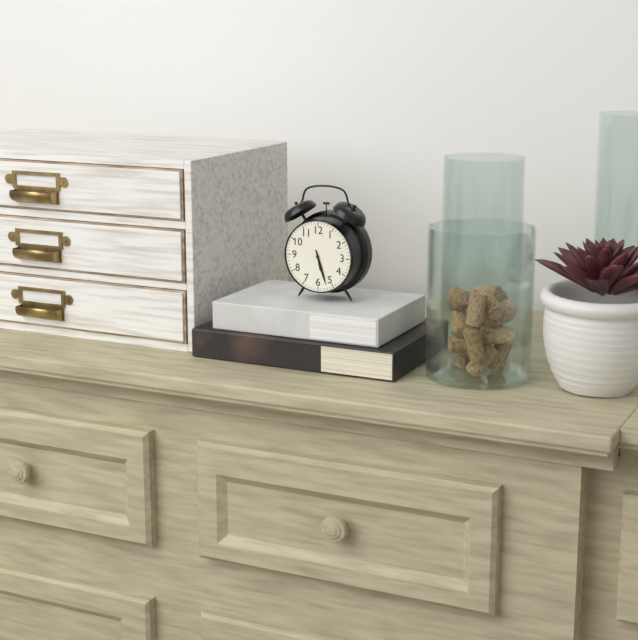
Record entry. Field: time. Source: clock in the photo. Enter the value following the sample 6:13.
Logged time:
5:27
